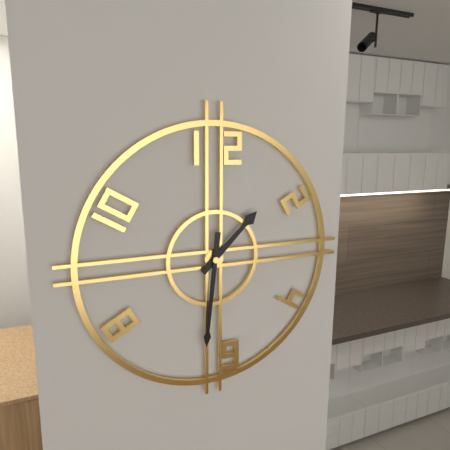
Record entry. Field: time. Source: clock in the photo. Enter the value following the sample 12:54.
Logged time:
1:31
